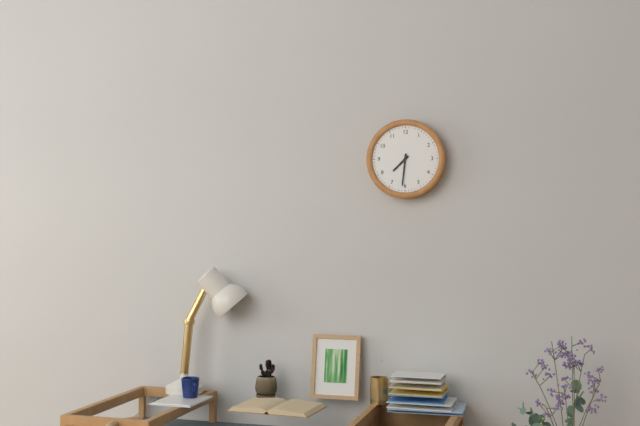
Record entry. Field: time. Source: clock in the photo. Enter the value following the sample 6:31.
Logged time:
7:31
